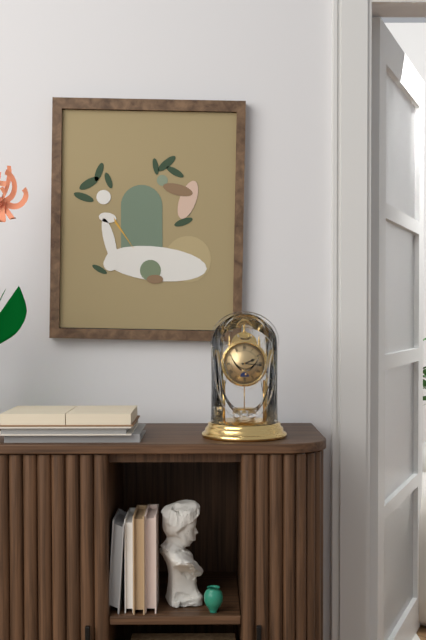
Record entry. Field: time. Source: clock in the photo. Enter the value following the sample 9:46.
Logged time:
2:16
